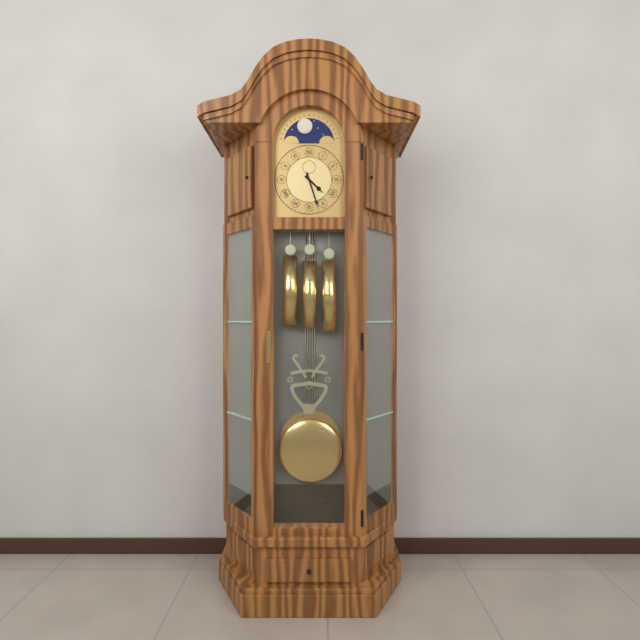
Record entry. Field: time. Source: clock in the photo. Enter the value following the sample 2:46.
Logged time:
4:27
